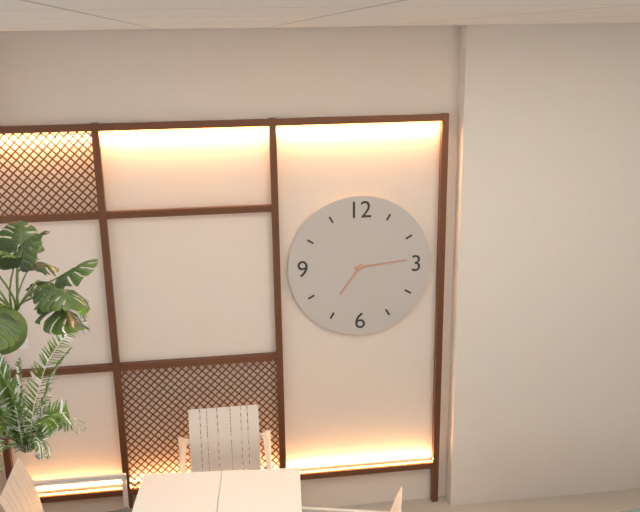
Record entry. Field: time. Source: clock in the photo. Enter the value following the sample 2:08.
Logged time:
7:14
